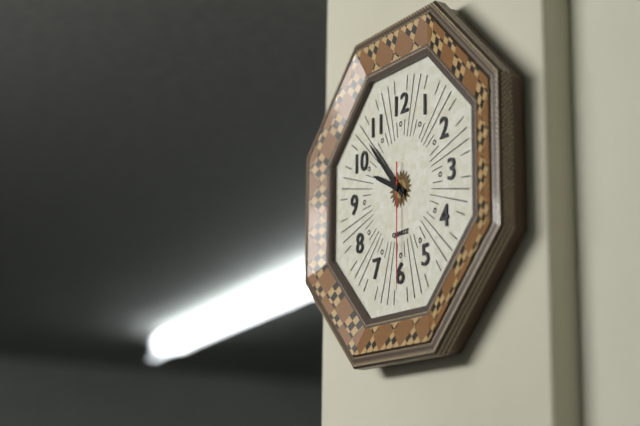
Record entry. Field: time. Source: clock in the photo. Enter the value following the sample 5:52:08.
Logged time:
9:53:30
